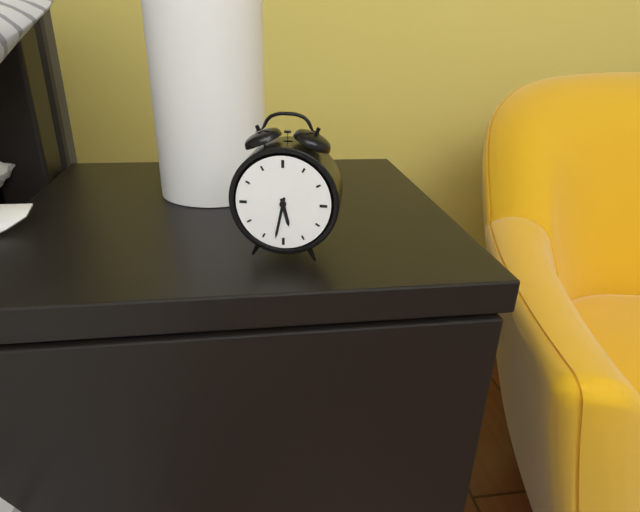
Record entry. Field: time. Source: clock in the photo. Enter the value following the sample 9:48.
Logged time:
5:32
